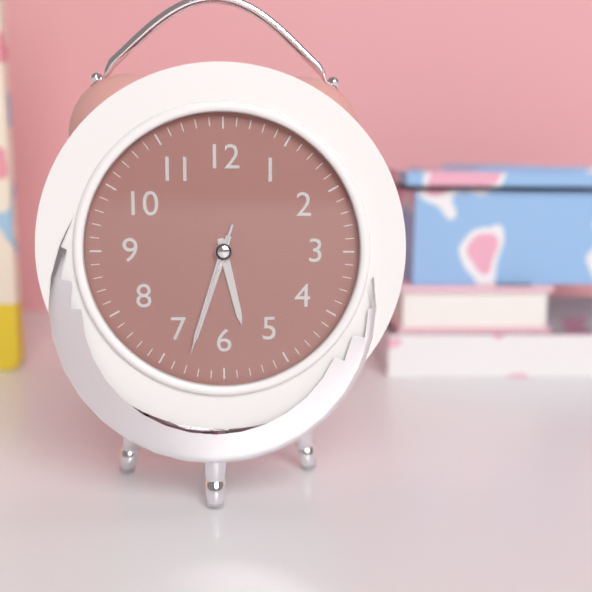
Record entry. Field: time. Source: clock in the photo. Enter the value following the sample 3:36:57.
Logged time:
5:33:33
